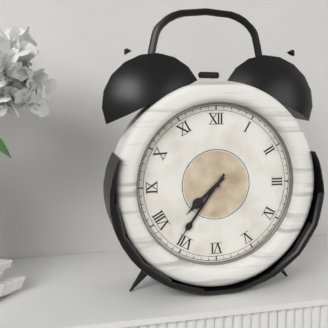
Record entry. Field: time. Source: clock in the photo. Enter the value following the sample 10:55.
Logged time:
7:36
